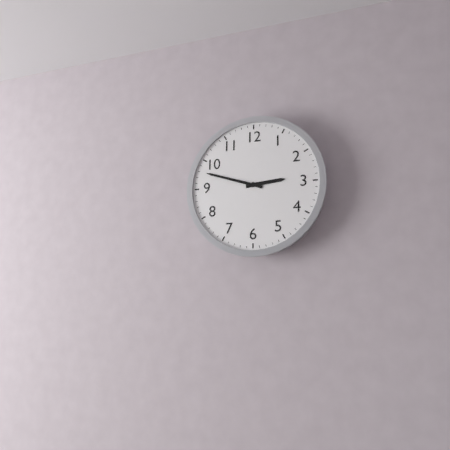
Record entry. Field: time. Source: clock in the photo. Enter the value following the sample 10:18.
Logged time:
2:48
